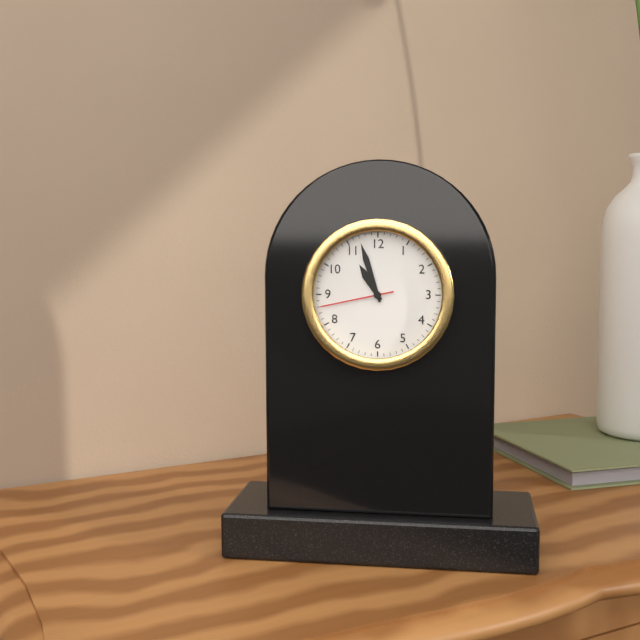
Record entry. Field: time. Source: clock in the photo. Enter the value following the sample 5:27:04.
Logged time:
10:57:43
